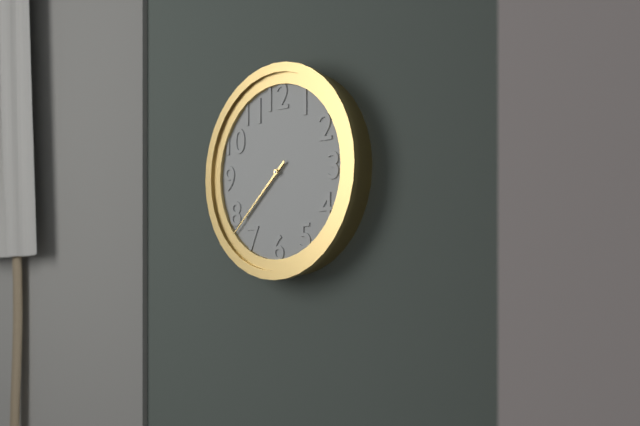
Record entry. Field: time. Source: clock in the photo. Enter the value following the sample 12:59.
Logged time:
7:38
